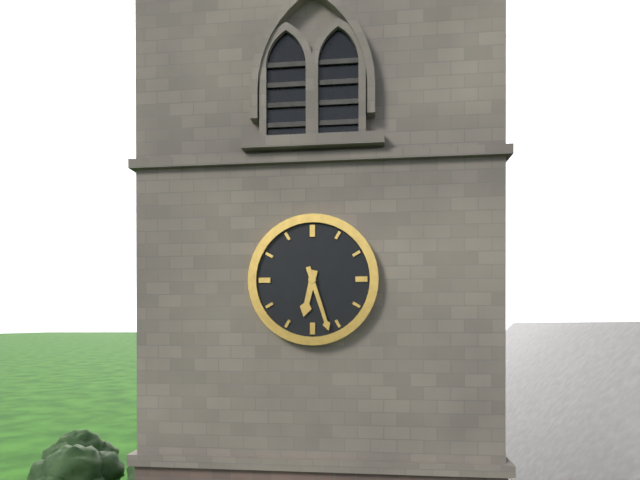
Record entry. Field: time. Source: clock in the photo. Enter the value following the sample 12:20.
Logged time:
6:27
